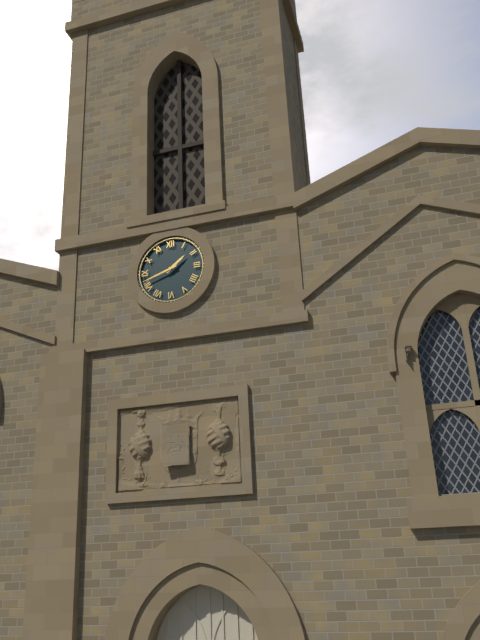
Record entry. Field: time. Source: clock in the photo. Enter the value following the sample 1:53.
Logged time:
1:42
